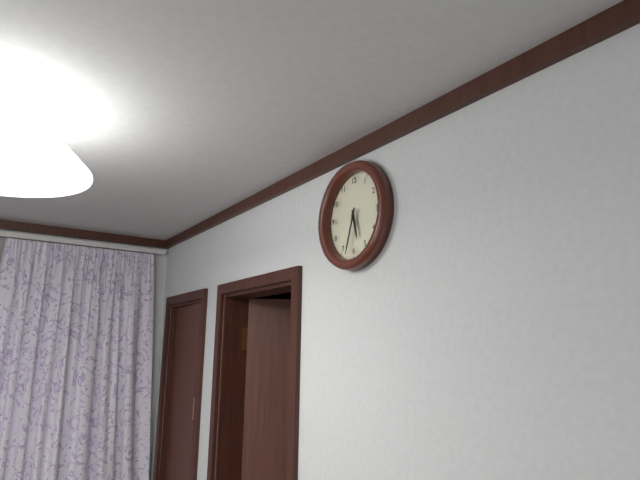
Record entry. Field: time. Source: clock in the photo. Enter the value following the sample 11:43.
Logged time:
5:33
